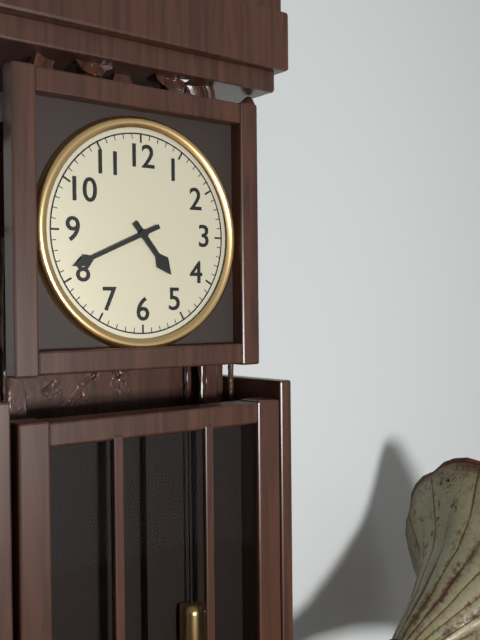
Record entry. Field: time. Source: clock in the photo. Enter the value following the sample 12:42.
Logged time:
4:41
